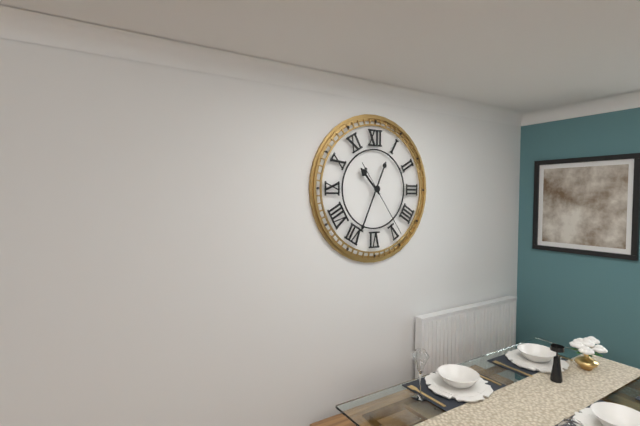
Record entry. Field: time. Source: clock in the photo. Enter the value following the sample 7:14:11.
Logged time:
10:34:24
